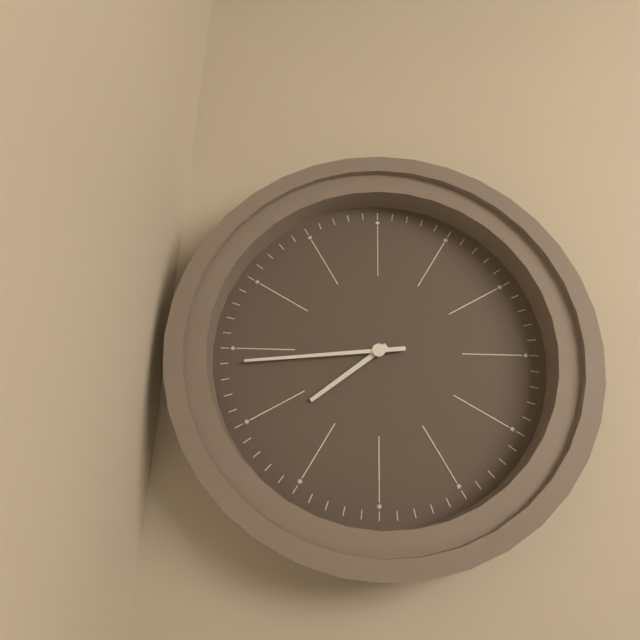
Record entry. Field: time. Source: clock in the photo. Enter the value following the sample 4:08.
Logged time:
7:44
